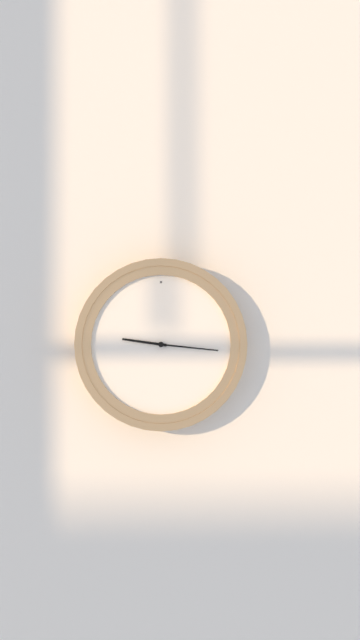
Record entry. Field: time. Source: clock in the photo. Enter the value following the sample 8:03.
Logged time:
9:16
